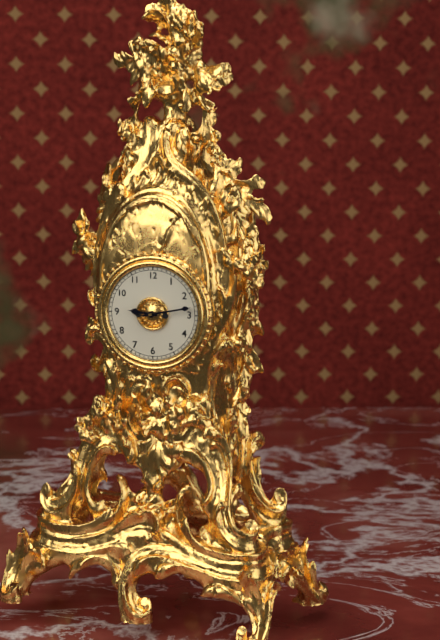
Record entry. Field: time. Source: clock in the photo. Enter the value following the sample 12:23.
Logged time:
9:13
